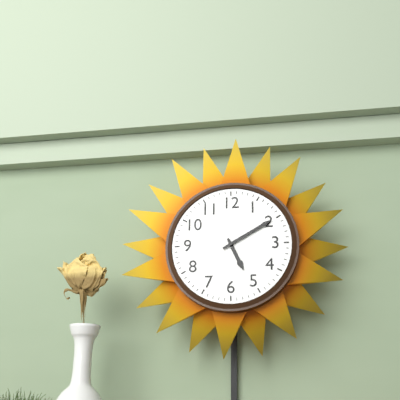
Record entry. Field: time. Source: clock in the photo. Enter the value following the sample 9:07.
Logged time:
5:10
